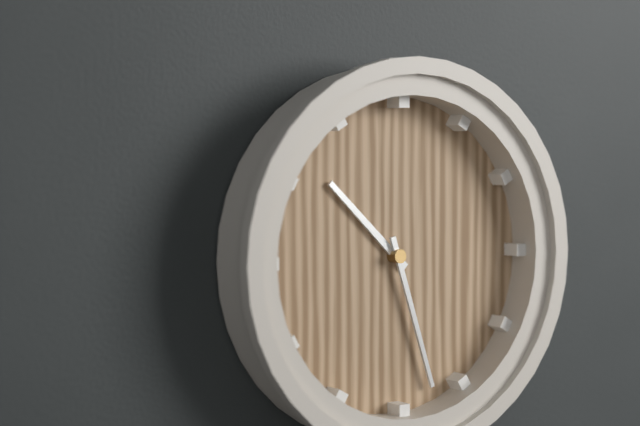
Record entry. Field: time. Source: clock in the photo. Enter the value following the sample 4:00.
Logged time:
10:27
